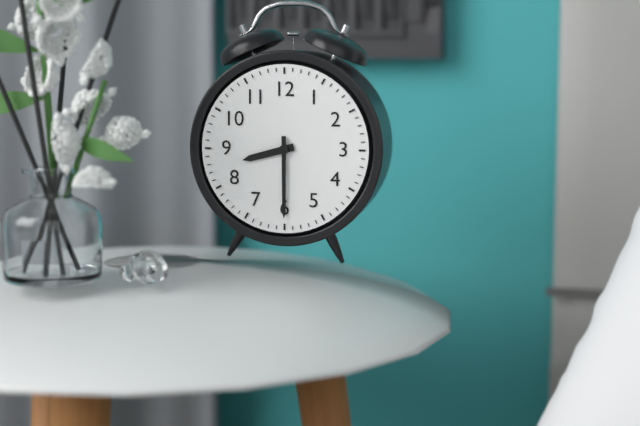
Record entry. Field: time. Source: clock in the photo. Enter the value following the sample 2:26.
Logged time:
8:30
